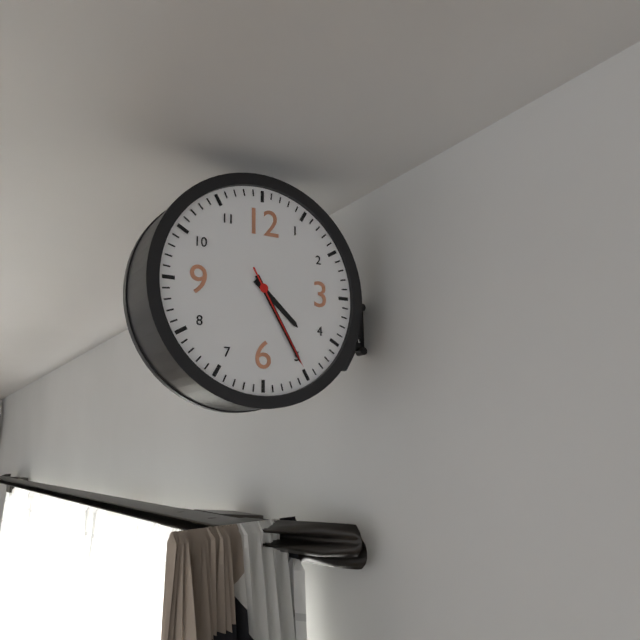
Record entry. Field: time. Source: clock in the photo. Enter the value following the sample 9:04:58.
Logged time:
4:25:25
